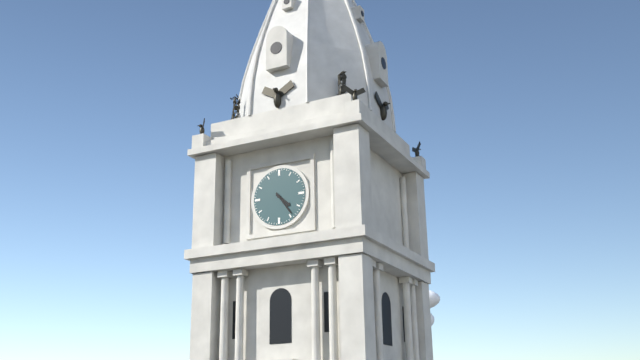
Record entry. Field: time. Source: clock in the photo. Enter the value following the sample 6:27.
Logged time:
4:24
